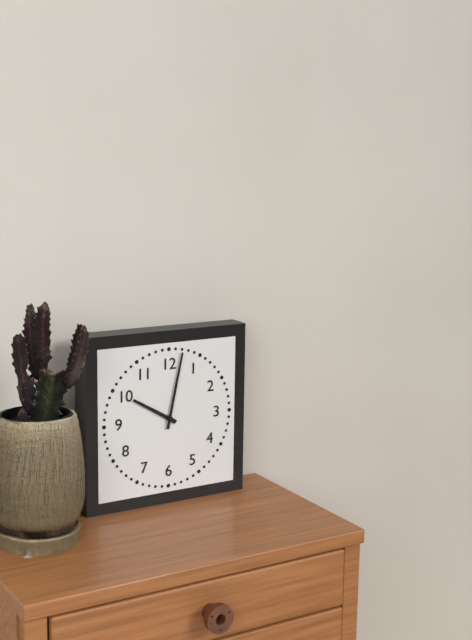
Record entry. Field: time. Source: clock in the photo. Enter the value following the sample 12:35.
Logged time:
10:02
